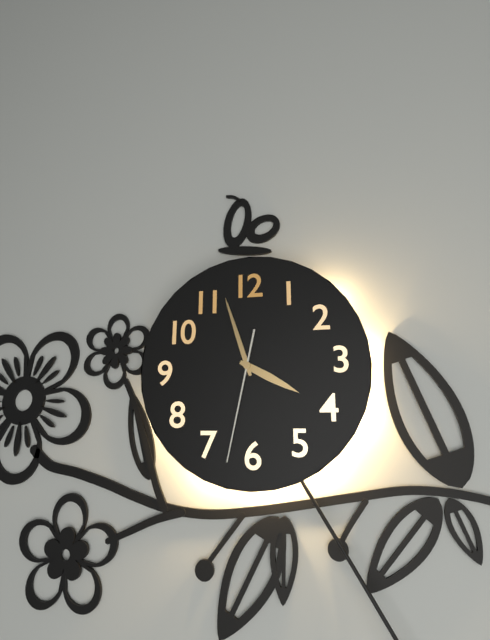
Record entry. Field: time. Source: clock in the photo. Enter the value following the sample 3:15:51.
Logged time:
3:57:32
